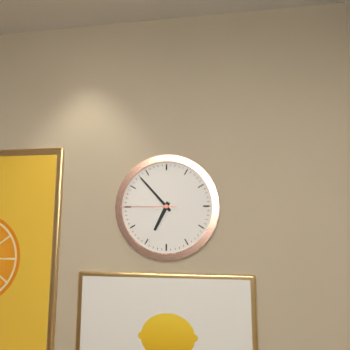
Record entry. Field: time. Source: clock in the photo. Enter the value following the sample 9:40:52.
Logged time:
6:53:45
